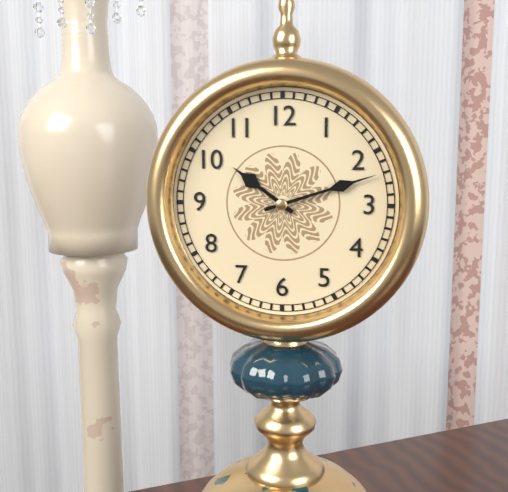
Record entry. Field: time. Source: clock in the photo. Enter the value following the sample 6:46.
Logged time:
10:12
